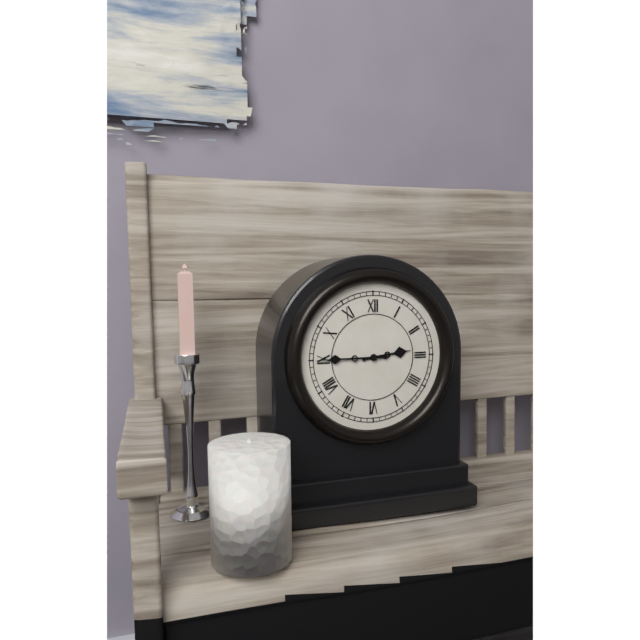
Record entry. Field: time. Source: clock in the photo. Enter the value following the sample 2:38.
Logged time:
2:45
